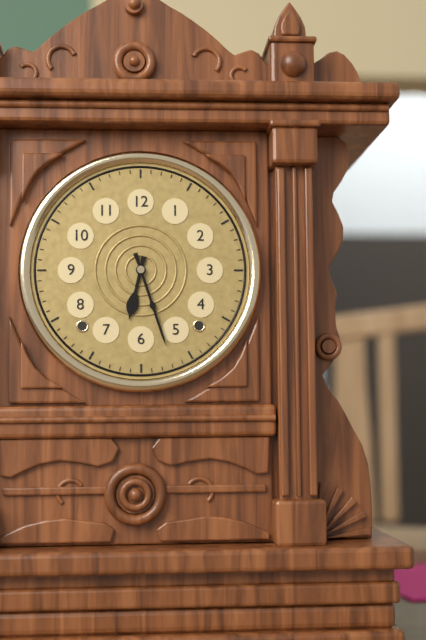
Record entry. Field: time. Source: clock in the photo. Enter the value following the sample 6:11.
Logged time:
6:27
